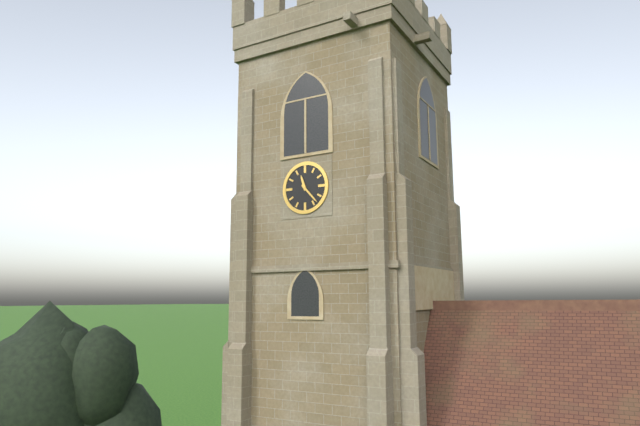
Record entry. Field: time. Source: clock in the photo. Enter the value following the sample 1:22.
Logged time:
11:23
